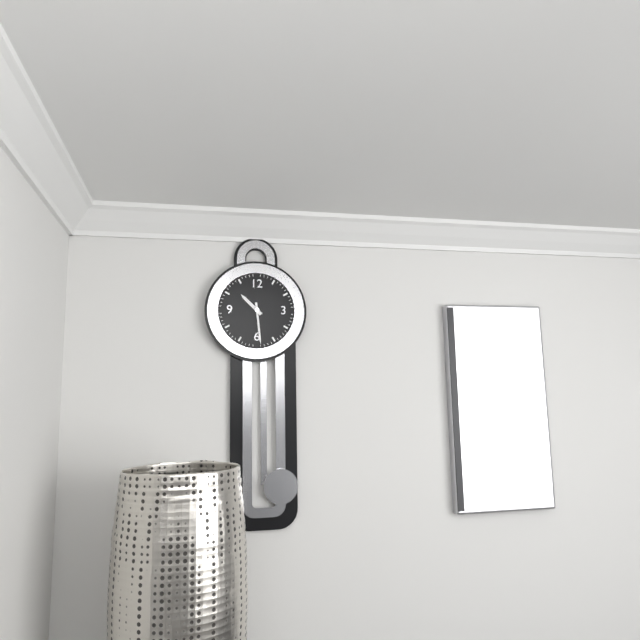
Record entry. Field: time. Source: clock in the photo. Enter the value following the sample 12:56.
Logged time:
10:29
